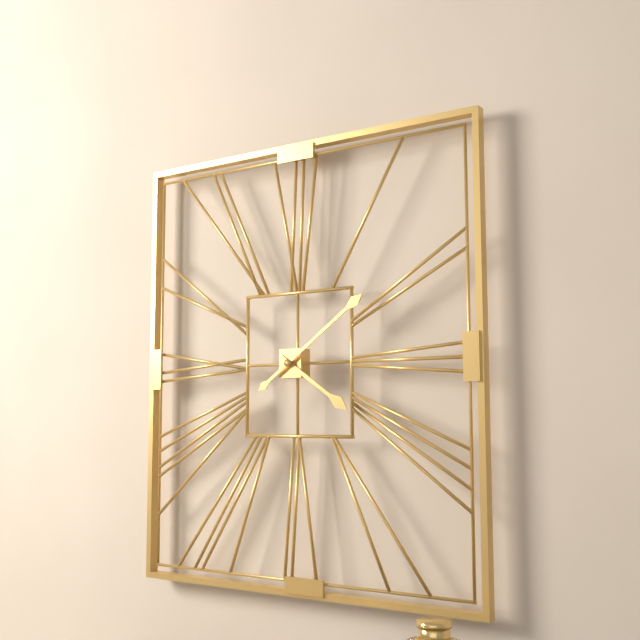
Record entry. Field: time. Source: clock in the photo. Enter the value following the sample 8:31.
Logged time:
4:09
